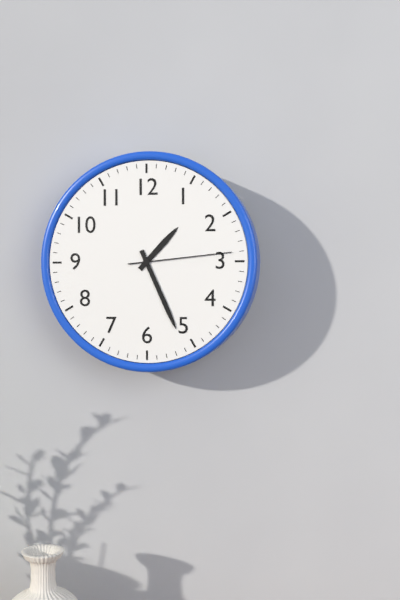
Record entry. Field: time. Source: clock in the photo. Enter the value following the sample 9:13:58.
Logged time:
1:26:14
